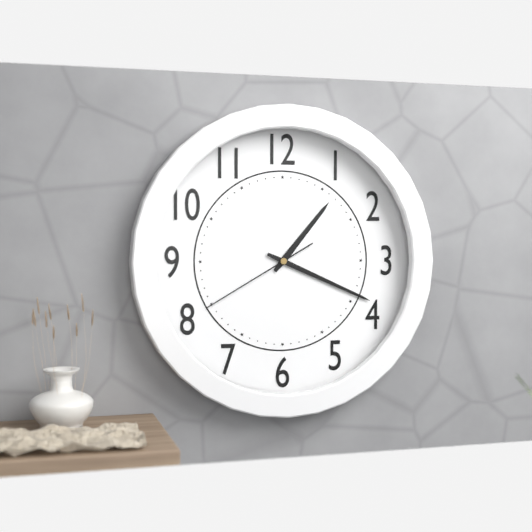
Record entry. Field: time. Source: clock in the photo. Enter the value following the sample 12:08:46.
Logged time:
1:19:40
